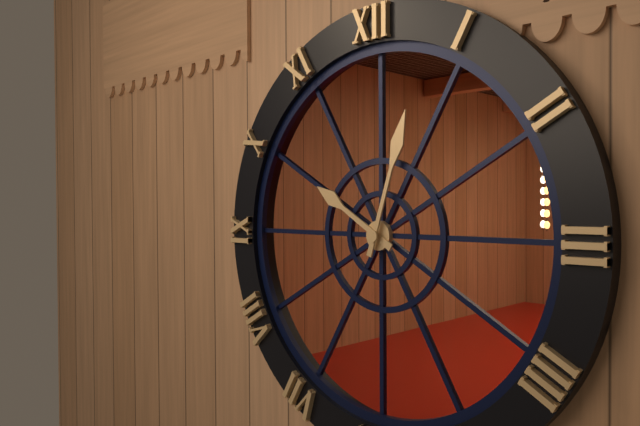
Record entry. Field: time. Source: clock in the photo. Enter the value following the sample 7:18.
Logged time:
10:03
